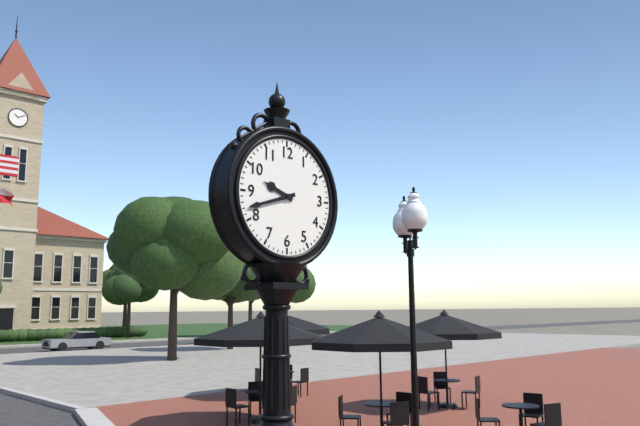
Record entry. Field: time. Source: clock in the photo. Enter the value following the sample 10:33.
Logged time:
9:42
